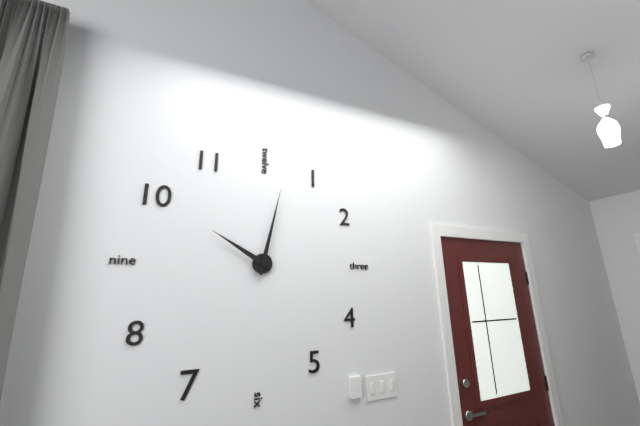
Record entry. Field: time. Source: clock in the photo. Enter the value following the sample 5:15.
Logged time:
10:02
